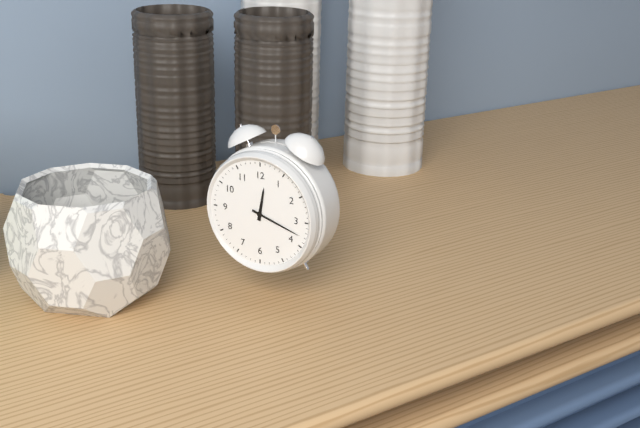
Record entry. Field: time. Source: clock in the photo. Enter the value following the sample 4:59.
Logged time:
12:18
